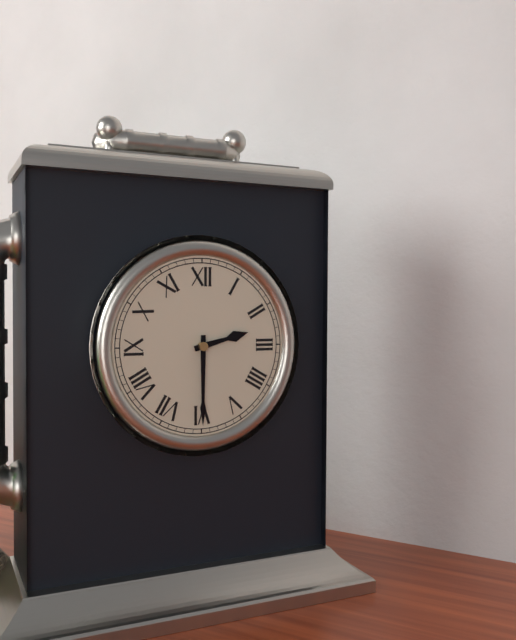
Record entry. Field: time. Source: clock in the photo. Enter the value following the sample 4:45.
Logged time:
2:30
